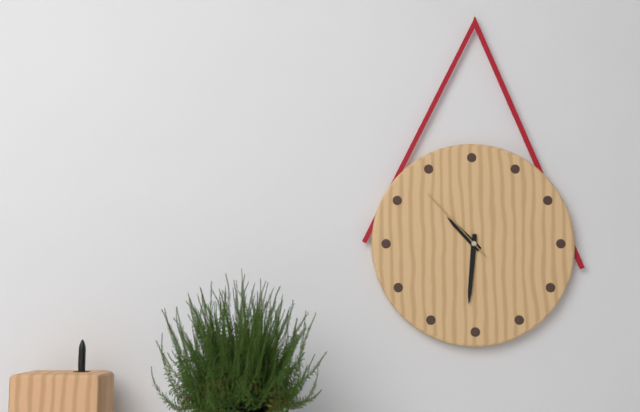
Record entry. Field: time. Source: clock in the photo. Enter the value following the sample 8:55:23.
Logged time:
10:31:53
